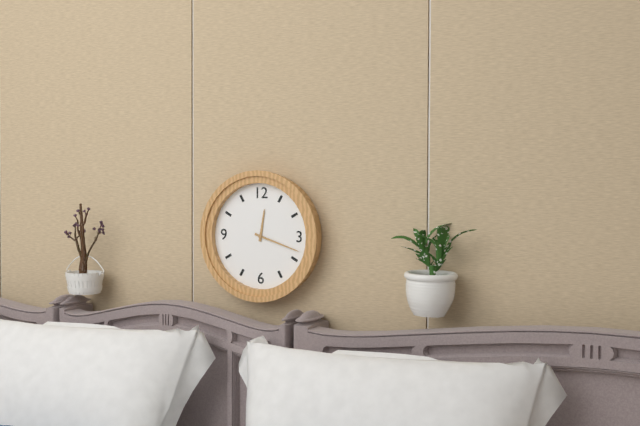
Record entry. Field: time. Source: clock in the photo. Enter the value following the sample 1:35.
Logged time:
12:18
